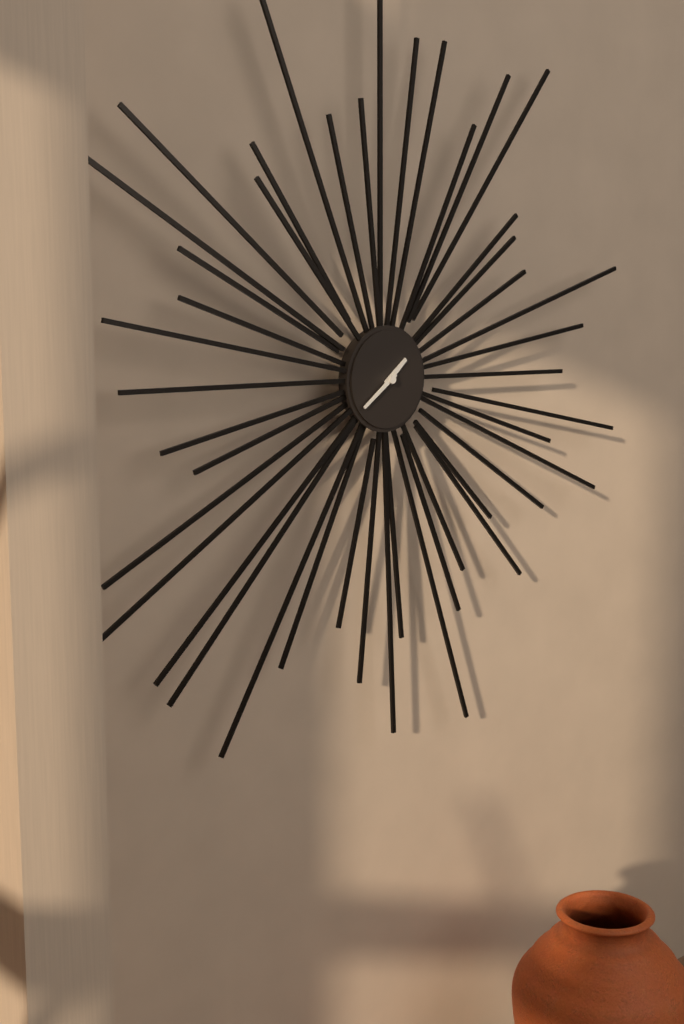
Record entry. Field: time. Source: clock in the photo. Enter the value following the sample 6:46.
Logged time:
1:39
